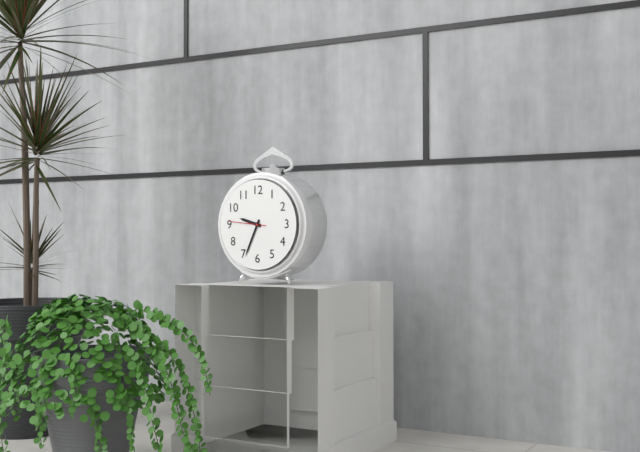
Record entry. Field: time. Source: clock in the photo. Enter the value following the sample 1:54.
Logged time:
9:34
